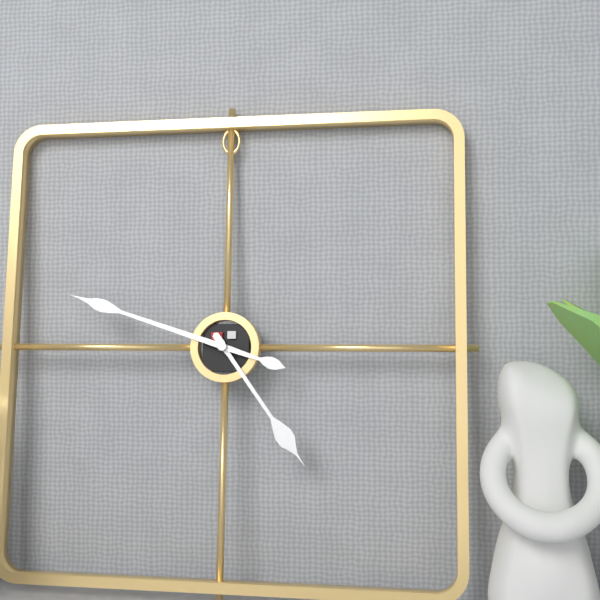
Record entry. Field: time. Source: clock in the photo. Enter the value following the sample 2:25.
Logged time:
4:48
